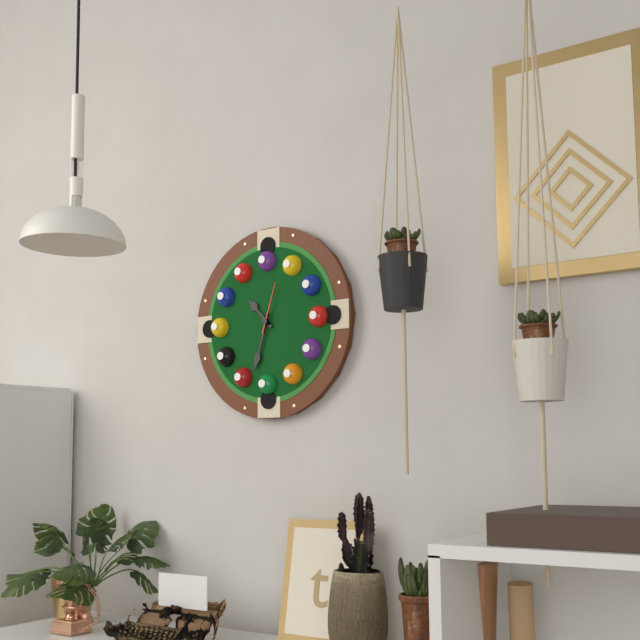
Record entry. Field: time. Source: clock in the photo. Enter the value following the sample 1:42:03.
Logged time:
10:33:03
